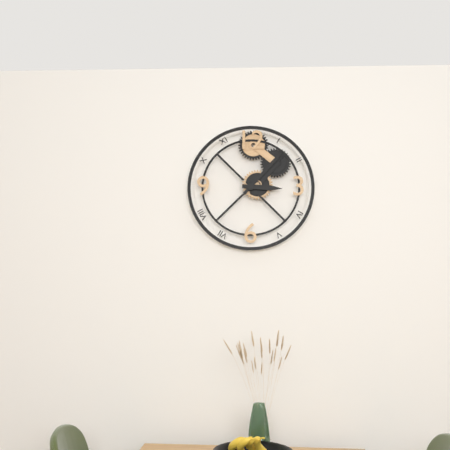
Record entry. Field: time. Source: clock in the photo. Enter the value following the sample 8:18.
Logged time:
3:07
